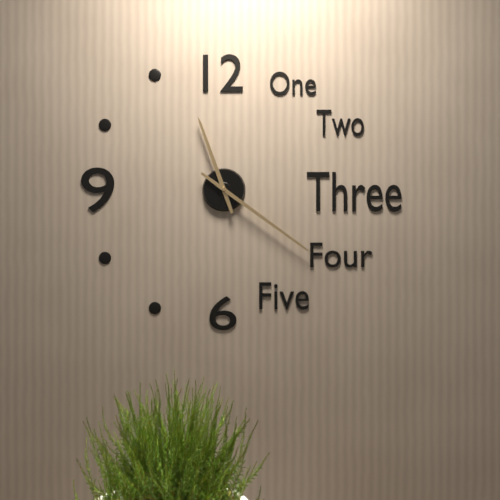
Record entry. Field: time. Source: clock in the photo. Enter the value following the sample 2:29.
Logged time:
11:21
